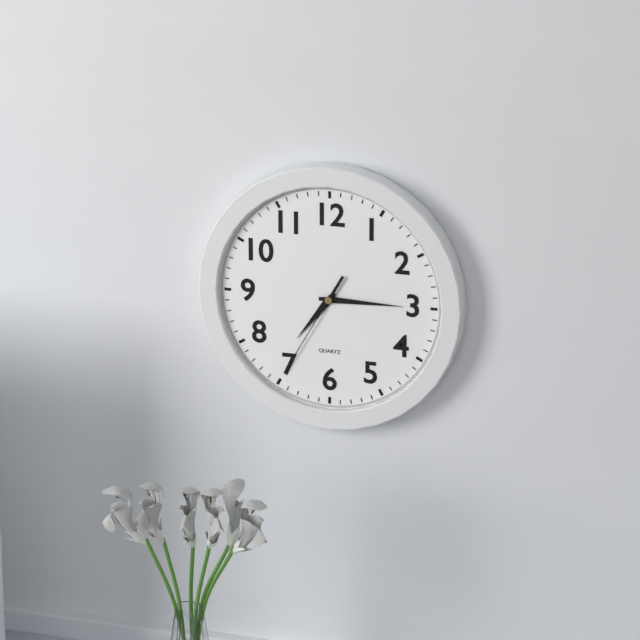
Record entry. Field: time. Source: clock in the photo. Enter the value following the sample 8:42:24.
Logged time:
7:15:35
